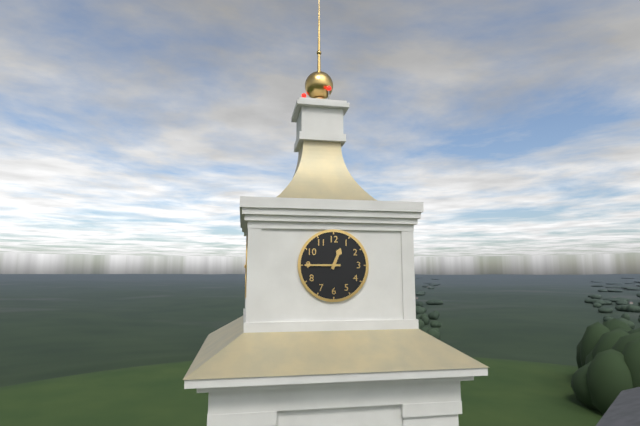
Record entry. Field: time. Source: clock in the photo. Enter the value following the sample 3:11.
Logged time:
12:45
